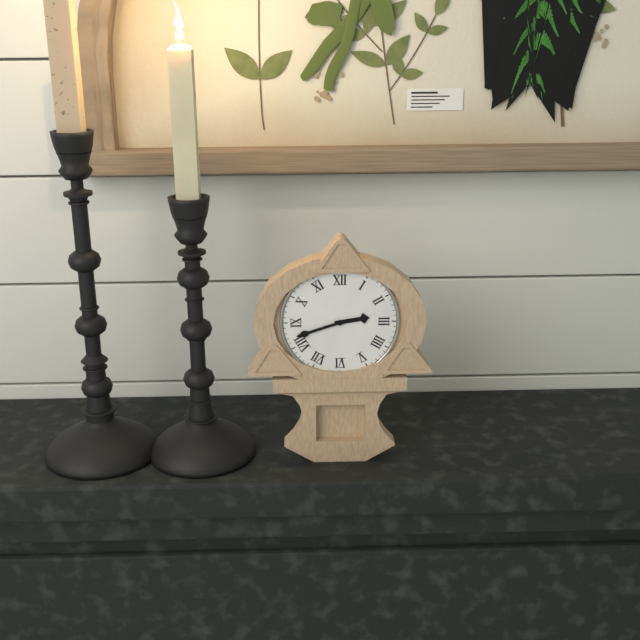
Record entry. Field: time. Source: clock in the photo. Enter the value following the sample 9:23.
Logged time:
2:42
